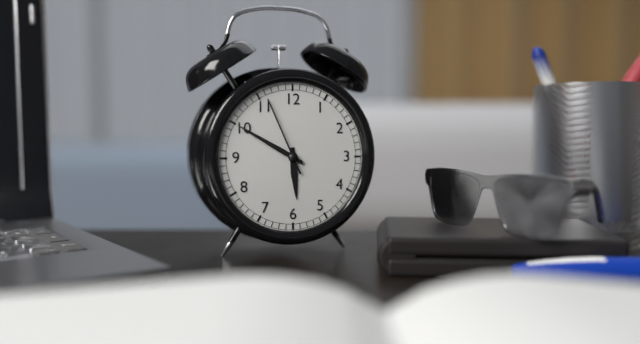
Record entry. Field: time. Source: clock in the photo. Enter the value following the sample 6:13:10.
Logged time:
5:50:56
